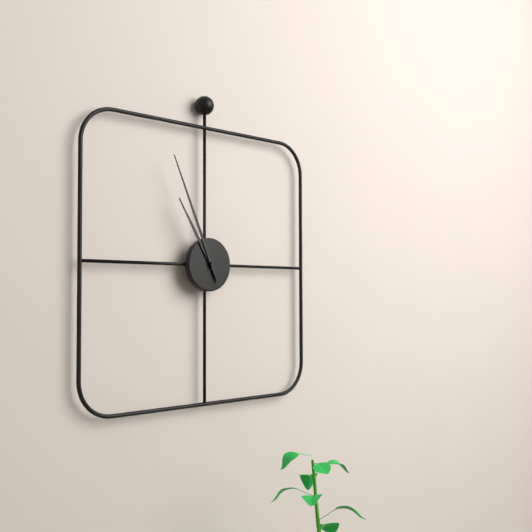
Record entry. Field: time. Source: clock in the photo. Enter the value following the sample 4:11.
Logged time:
10:56
